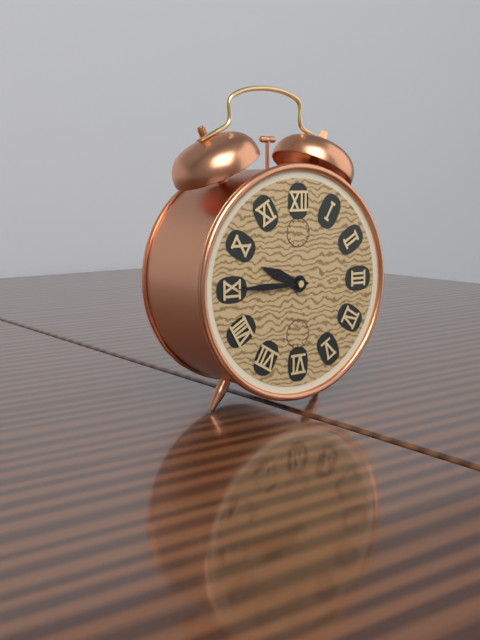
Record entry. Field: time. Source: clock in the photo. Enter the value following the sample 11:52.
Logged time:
9:45
